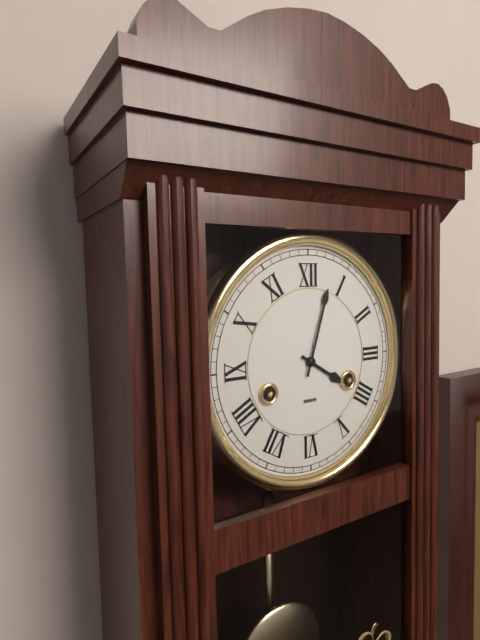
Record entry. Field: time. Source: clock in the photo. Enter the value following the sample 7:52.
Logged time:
4:03
